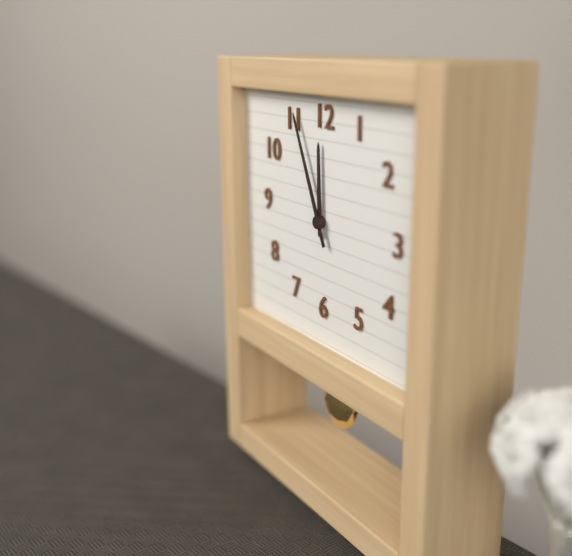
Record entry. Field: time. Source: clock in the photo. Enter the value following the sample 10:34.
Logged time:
11:56
